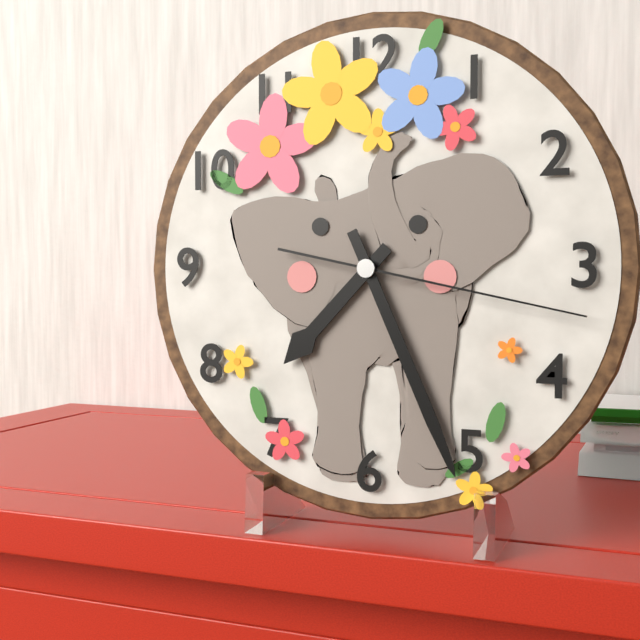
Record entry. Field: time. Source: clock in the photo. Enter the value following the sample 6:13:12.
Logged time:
7:26:17
